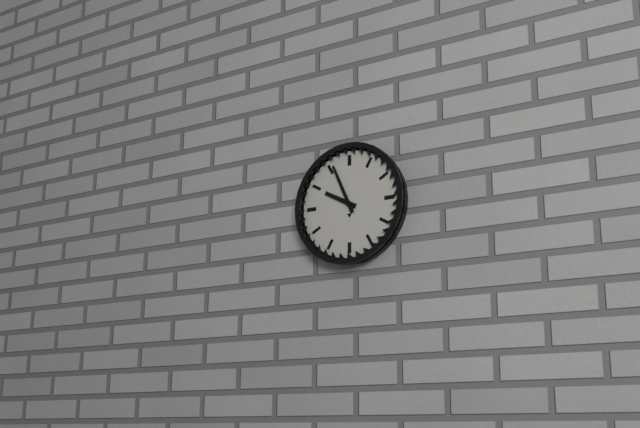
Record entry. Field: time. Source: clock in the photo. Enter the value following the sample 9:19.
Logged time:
9:56
